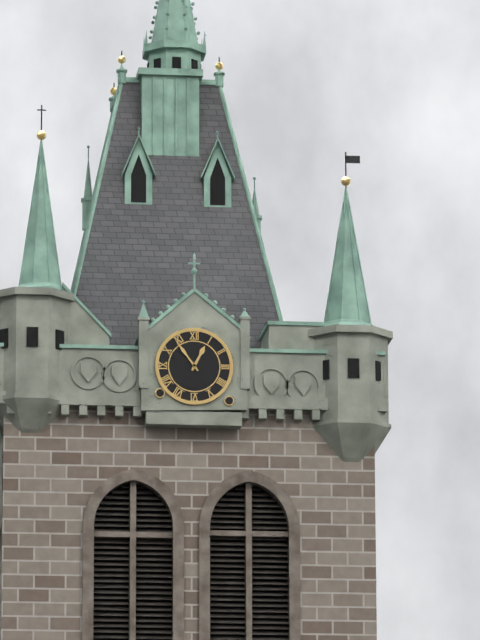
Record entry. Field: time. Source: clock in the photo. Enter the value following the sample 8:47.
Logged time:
12:54
